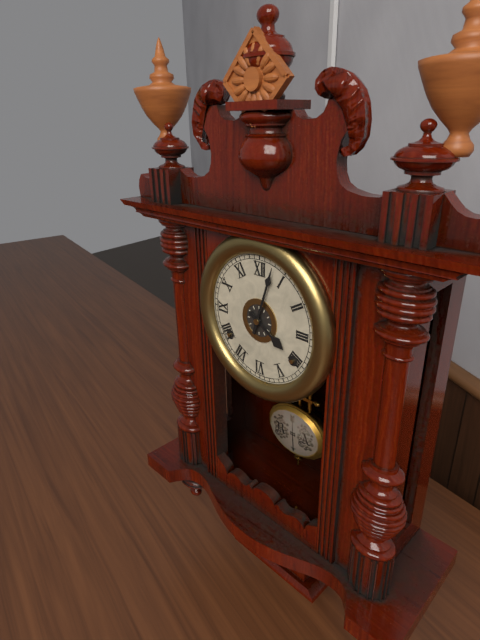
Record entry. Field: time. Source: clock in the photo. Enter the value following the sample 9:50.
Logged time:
4:03
